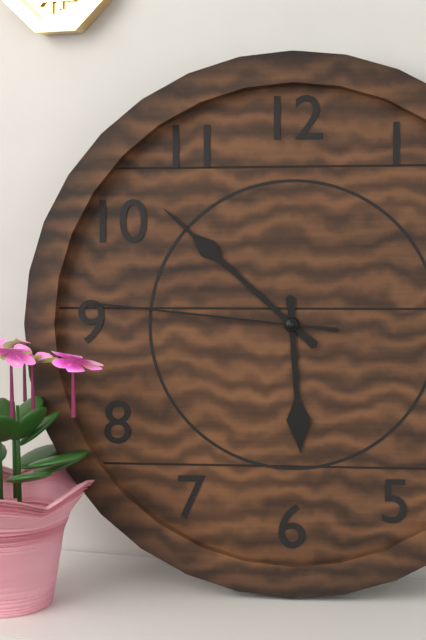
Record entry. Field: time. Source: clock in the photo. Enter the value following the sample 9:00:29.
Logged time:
5:52:46
